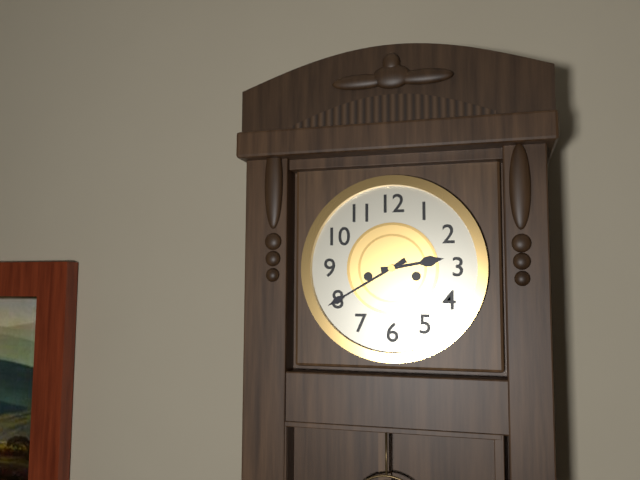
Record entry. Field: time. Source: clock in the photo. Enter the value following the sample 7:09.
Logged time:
2:40
